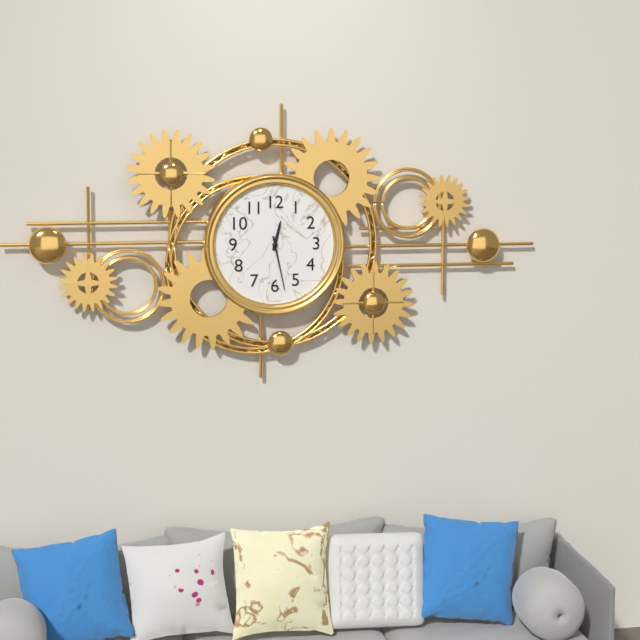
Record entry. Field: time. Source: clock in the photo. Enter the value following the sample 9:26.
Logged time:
12:28
